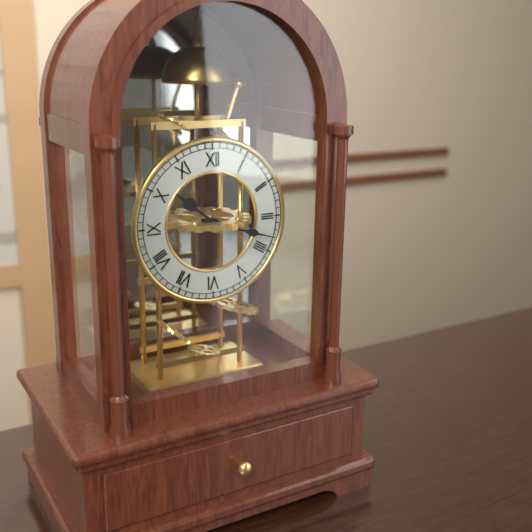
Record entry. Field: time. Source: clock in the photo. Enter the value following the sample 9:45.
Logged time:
10:18
